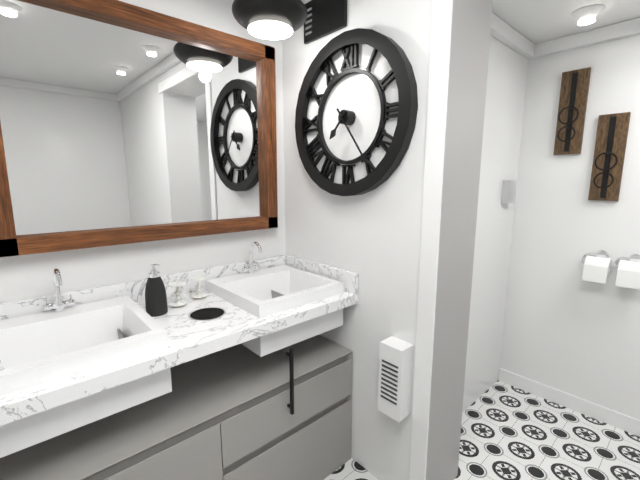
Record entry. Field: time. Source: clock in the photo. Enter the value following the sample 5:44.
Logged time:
7:24
